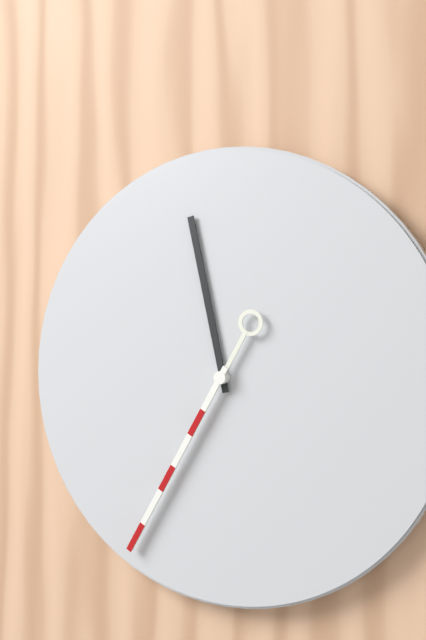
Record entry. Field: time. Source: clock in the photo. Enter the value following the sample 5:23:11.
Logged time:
11:35:35
